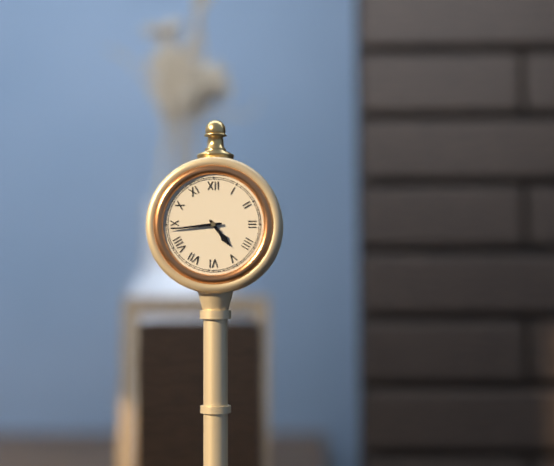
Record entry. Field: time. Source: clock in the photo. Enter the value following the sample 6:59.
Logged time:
4:44
